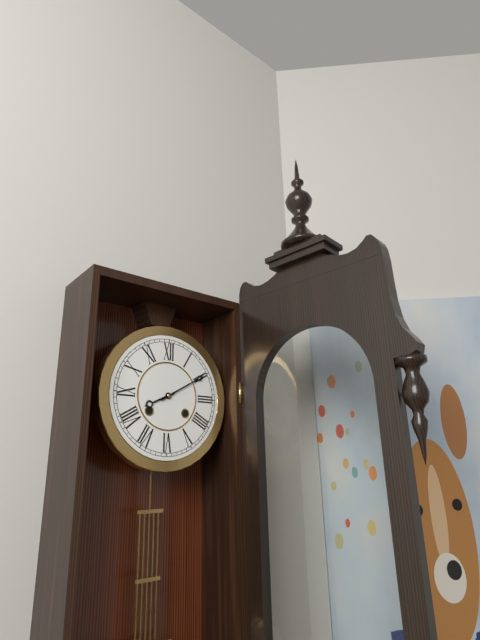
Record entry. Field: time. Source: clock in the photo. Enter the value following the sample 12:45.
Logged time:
8:10
